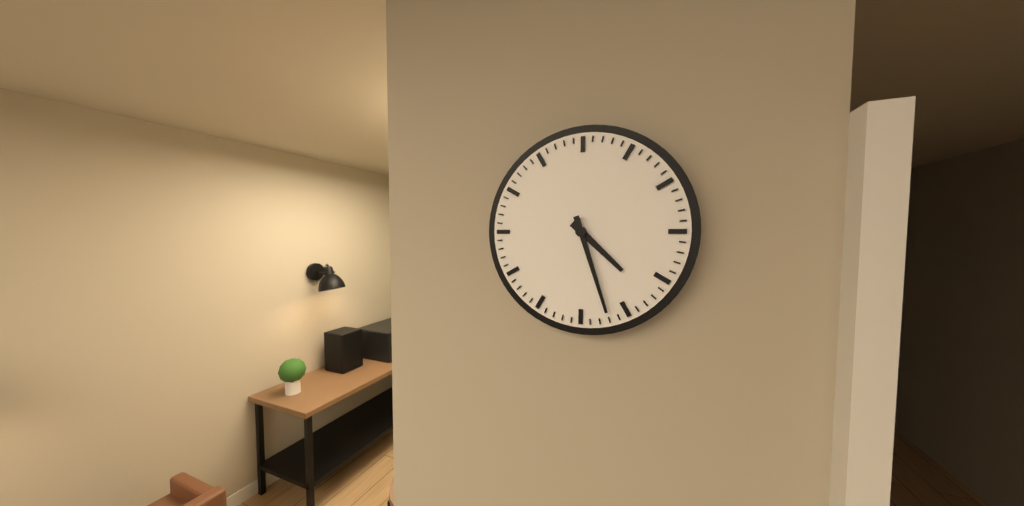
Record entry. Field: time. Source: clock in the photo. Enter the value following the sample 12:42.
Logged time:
4:27
